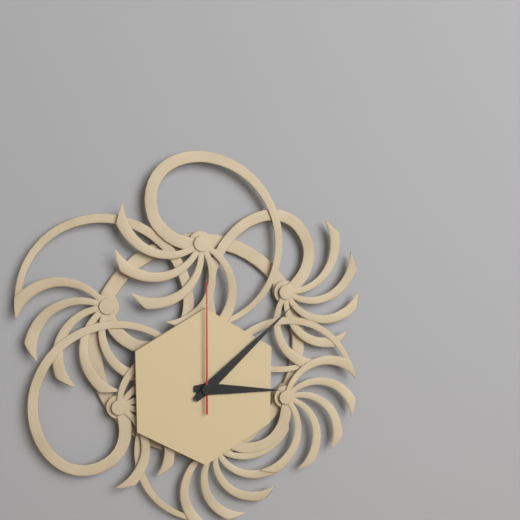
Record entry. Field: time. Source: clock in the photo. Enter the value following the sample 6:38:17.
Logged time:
3:08:00
